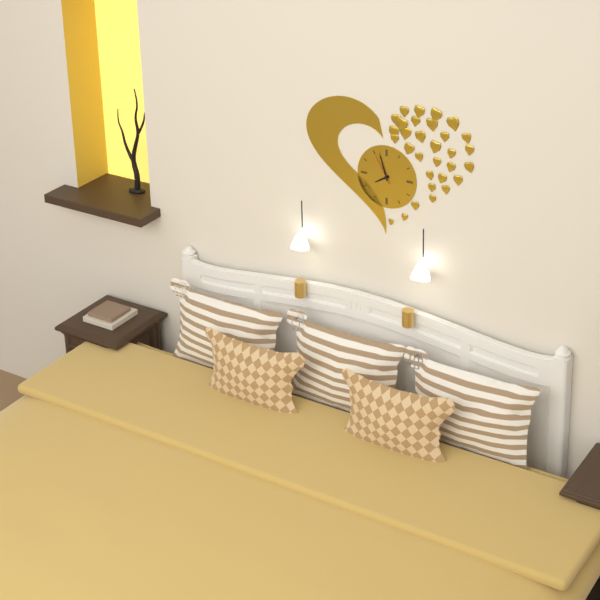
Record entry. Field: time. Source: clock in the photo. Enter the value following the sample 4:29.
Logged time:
7:57
